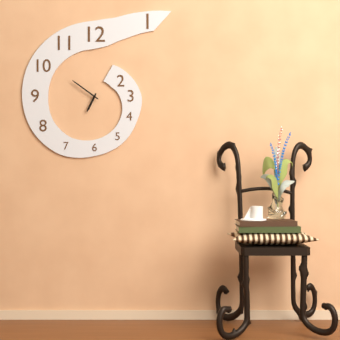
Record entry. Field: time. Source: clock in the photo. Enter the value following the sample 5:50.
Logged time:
6:51
